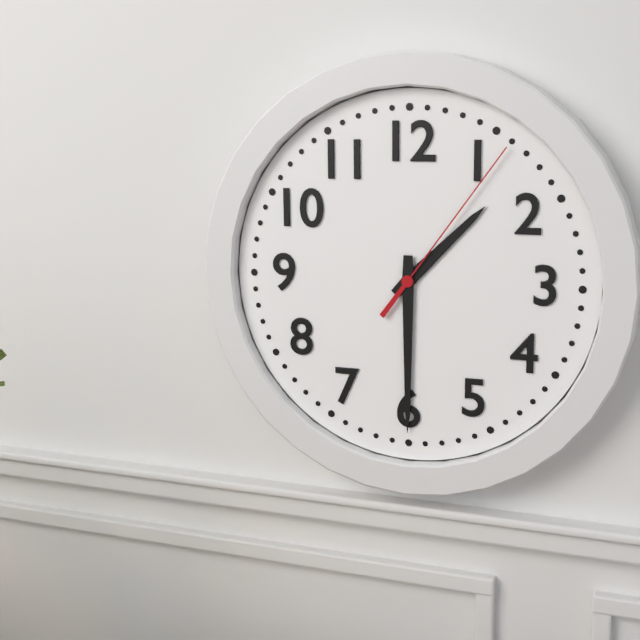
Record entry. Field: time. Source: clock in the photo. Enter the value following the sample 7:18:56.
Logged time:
1:30:06
